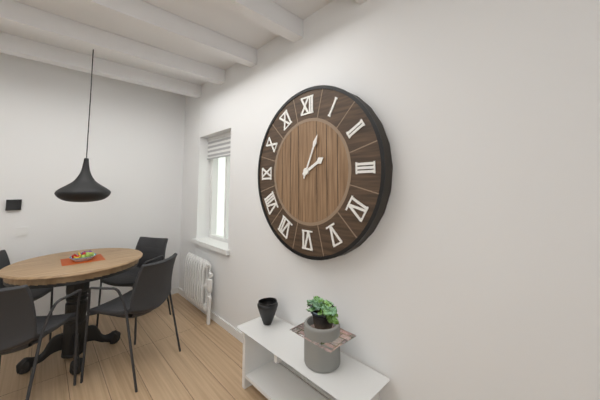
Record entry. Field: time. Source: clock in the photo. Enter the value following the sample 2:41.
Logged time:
2:04
